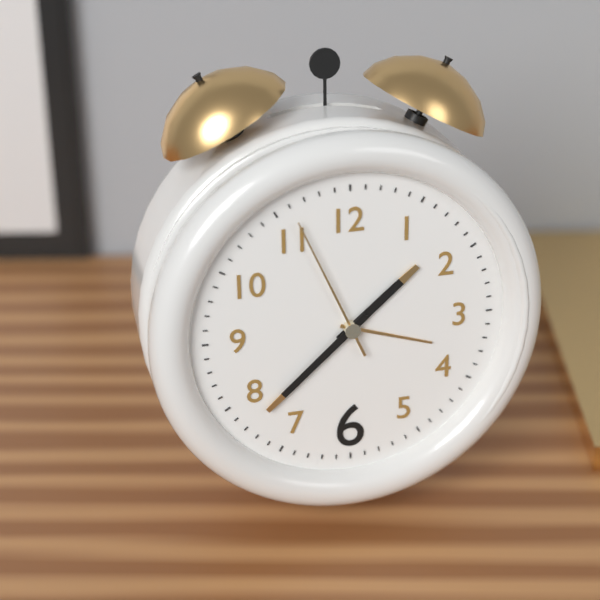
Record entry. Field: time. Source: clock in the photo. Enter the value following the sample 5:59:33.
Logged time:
1:38:56
